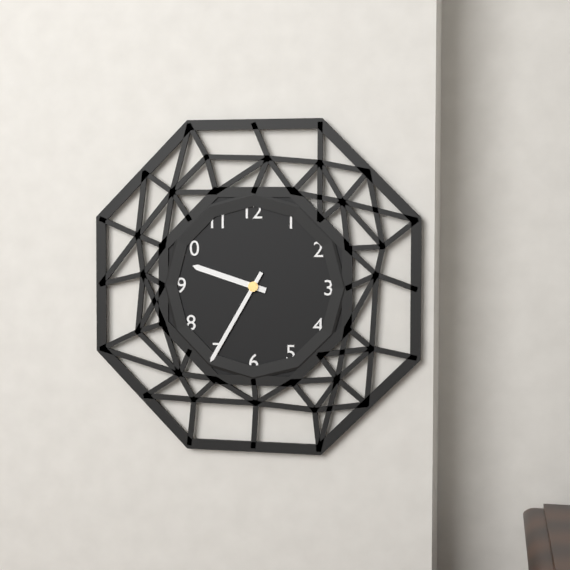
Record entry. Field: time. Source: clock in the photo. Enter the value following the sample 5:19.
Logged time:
9:35
